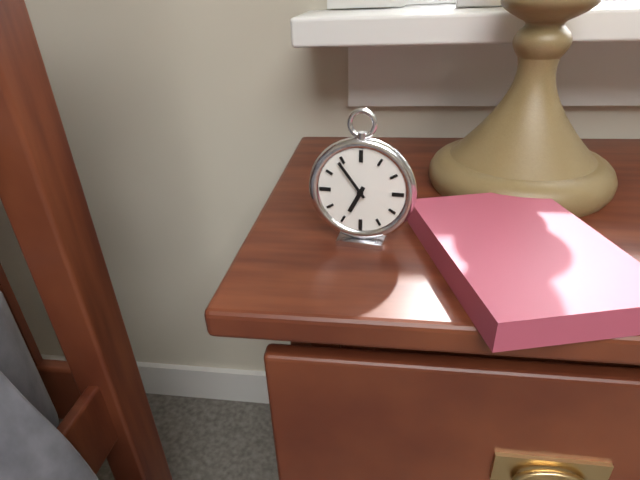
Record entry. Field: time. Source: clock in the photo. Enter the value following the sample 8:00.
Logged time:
6:54
